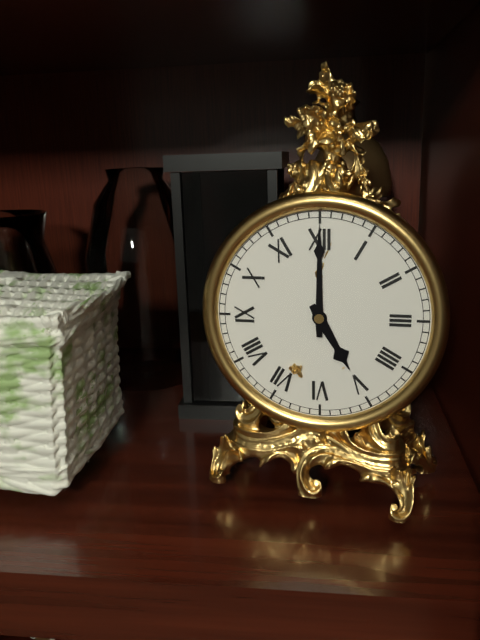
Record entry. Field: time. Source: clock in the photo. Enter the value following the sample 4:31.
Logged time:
5:00
